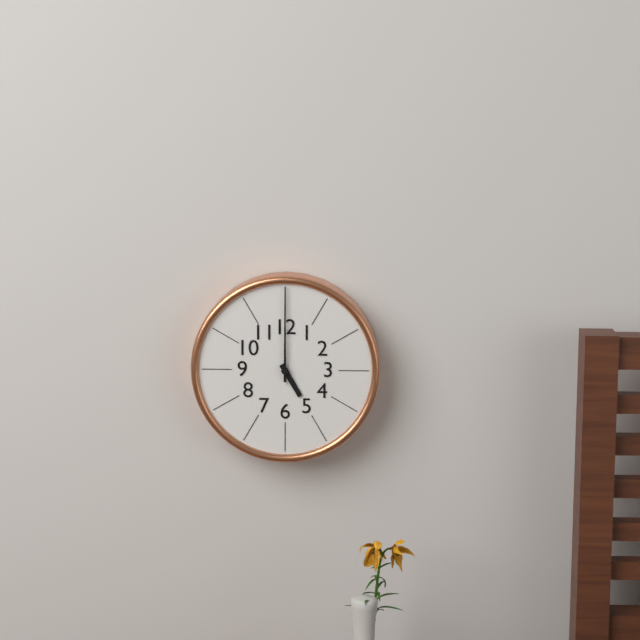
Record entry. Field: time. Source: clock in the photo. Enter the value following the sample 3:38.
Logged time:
5:00
